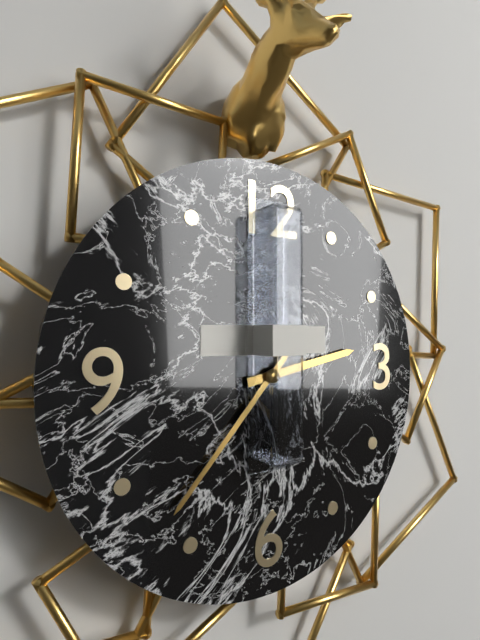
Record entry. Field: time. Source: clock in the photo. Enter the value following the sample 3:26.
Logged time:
2:37
